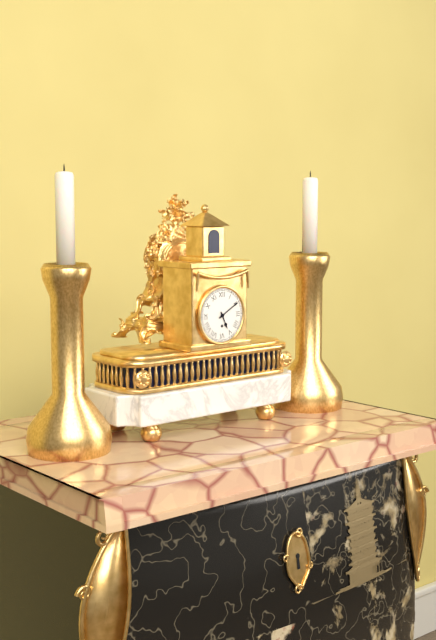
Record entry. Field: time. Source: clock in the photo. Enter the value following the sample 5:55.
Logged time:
5:10
